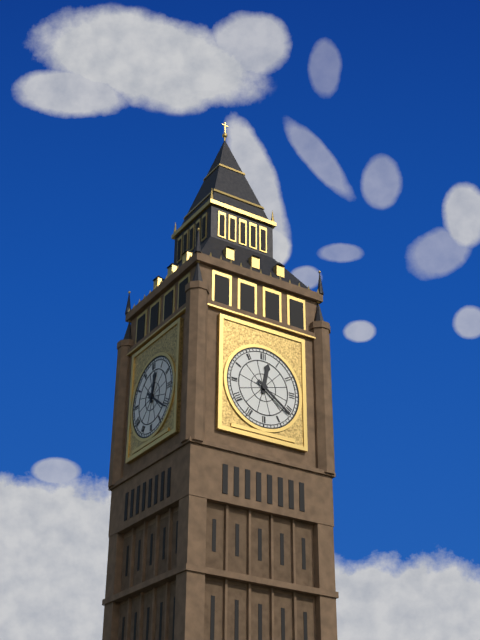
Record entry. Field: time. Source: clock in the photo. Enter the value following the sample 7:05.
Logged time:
12:21
